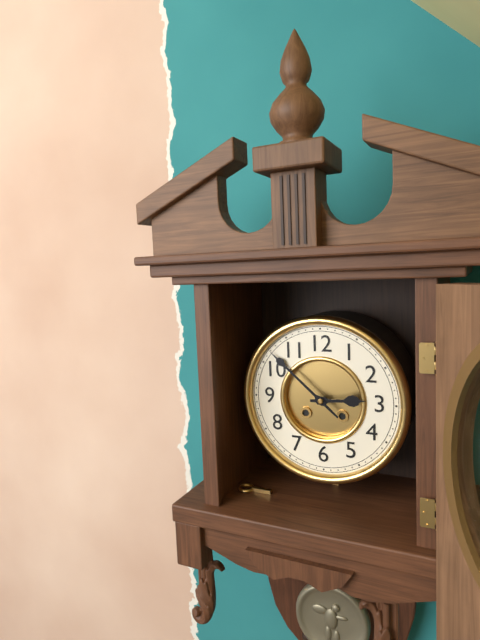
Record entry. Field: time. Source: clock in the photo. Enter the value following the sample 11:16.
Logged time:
2:52
